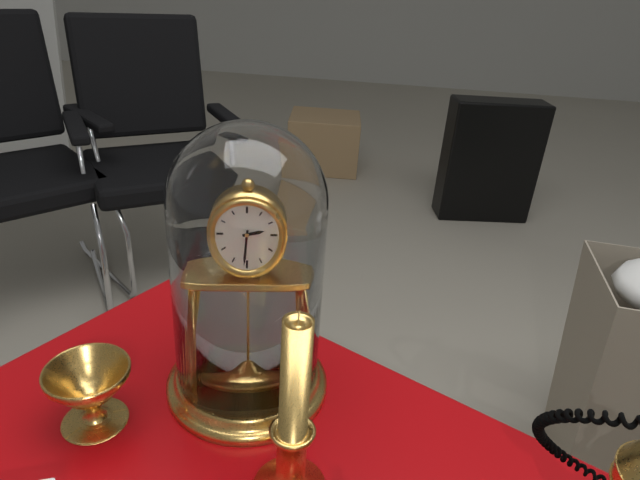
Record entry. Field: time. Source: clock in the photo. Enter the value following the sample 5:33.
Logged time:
2:31
